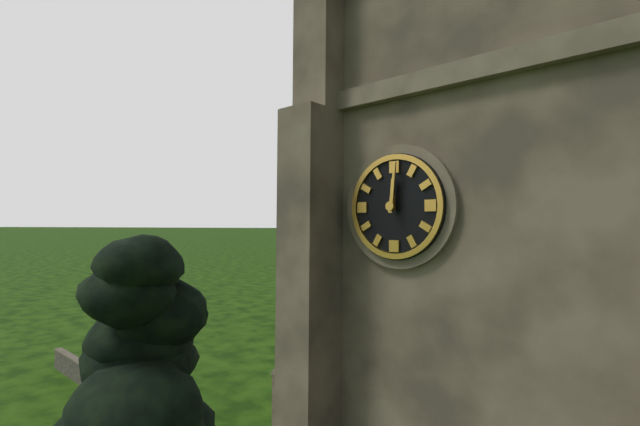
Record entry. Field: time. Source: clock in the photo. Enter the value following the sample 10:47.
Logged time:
12:01
